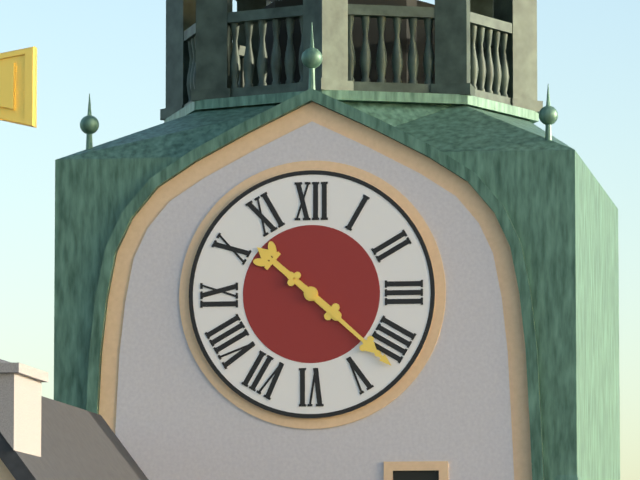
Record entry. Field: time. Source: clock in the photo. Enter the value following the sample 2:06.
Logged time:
10:22
